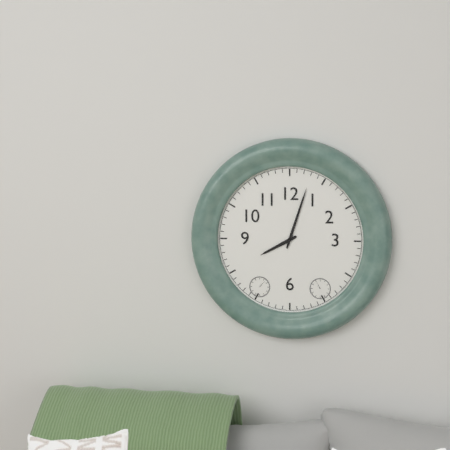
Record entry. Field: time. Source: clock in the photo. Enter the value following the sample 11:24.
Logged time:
8:03
